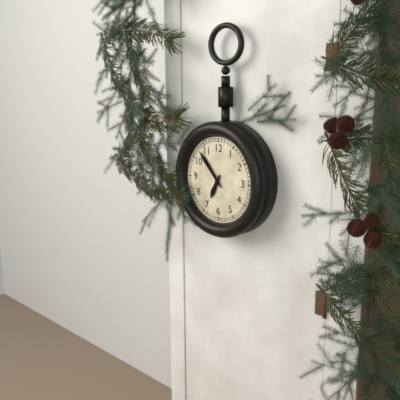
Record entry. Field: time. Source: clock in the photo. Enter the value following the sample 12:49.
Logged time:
6:53
